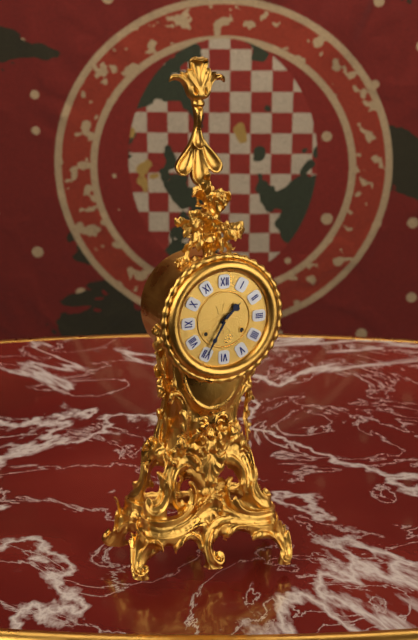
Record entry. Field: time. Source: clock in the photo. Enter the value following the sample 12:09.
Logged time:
1:35
